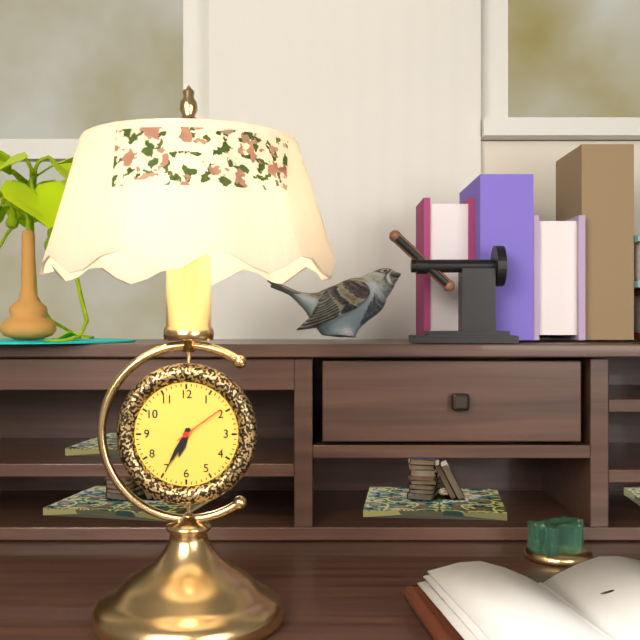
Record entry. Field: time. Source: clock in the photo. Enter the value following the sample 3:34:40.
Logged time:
6:35:09
